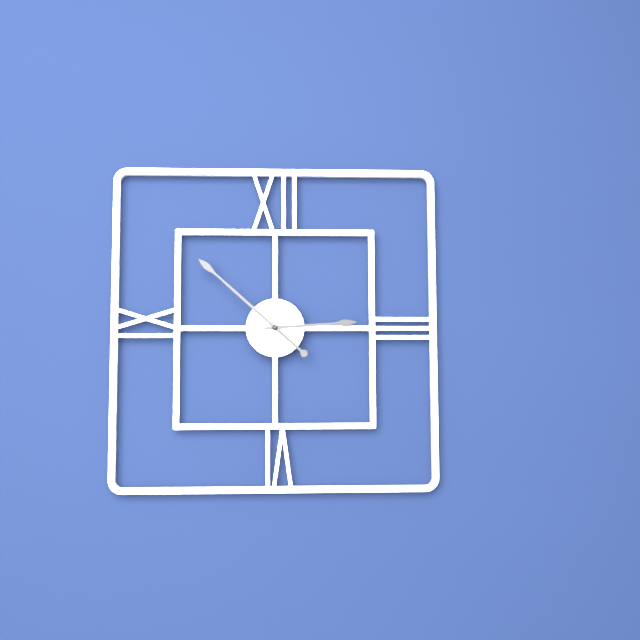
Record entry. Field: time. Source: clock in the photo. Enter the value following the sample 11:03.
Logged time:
2:52
